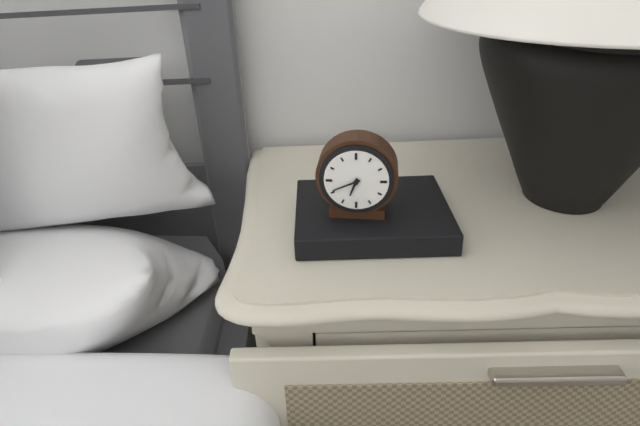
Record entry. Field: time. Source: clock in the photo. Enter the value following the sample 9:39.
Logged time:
6:41
